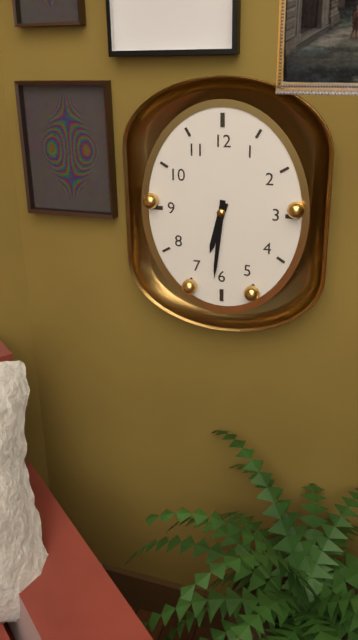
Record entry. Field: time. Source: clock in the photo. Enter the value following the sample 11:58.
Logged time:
6:31
